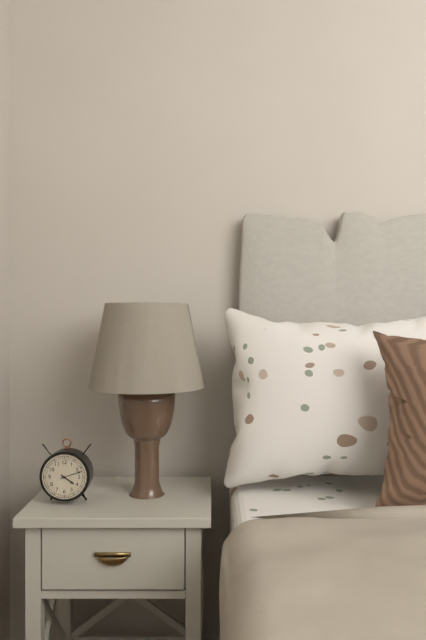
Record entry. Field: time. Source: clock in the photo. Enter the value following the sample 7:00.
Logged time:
4:12
